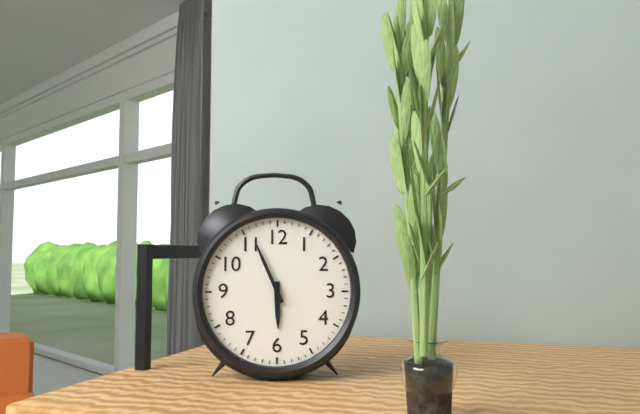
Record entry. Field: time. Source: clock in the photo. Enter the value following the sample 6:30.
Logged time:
5:56
